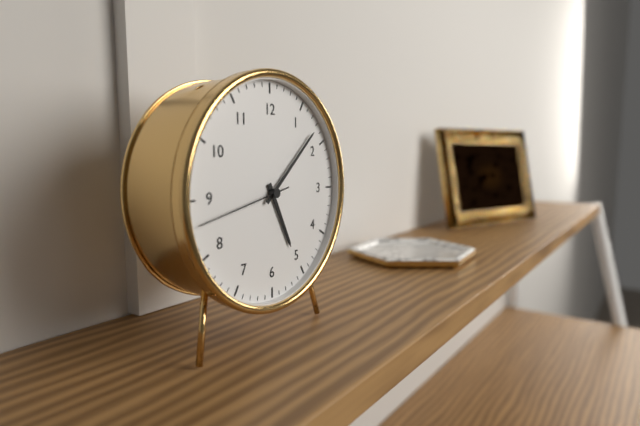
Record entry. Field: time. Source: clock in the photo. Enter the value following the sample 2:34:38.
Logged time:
5:08:43
